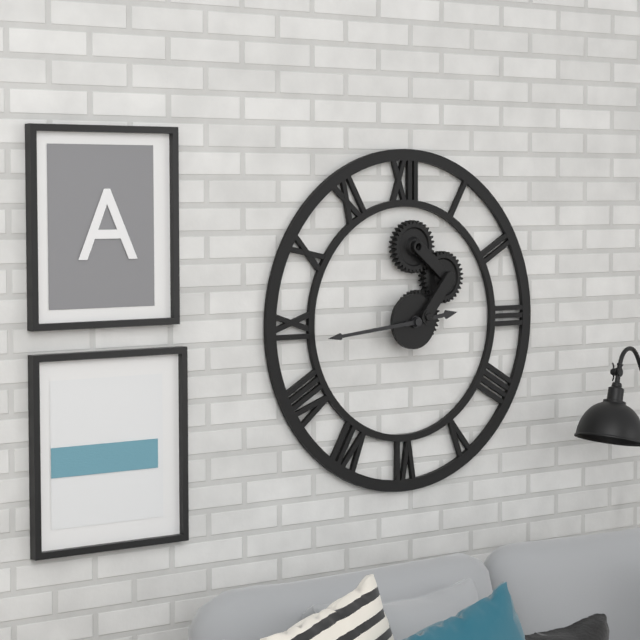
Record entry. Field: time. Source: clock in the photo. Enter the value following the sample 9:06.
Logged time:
2:44
